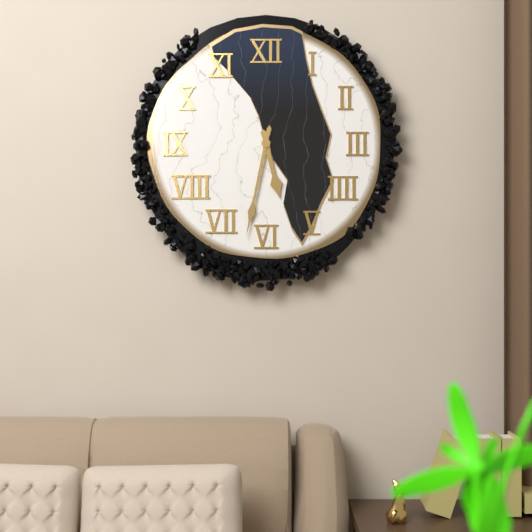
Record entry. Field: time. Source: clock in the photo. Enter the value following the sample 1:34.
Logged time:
5:32
